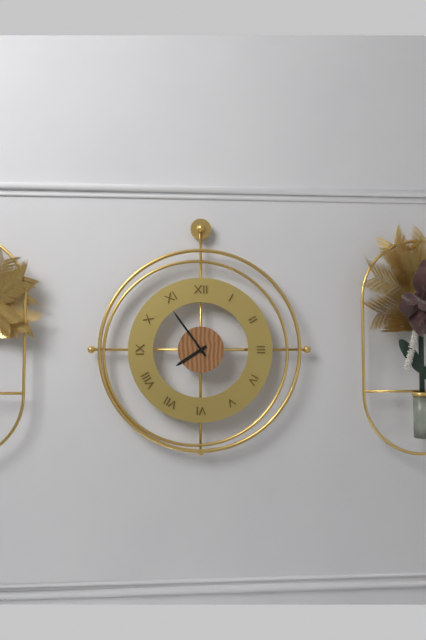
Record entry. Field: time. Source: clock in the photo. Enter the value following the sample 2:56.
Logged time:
7:54
